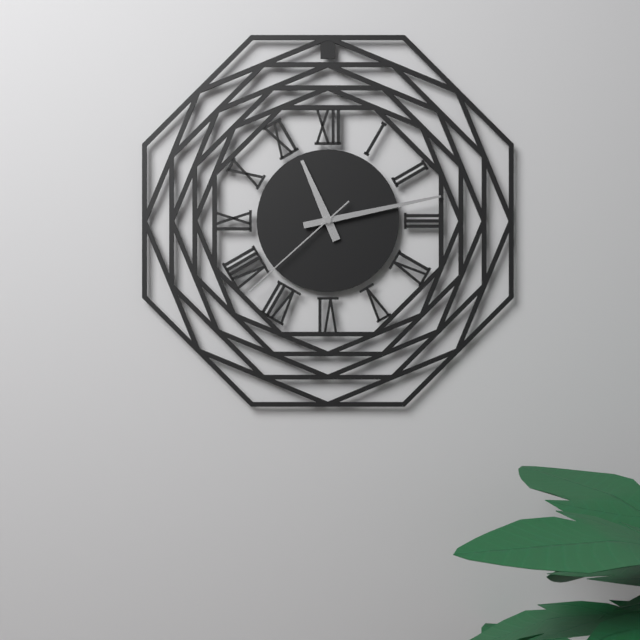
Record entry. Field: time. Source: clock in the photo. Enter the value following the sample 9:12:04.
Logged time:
11:13:38
